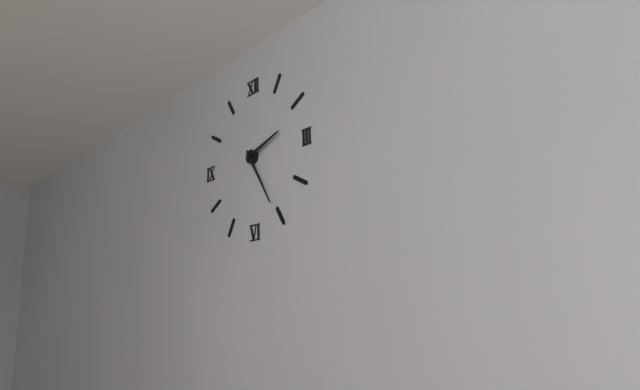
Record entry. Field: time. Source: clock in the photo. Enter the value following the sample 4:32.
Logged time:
2:25
